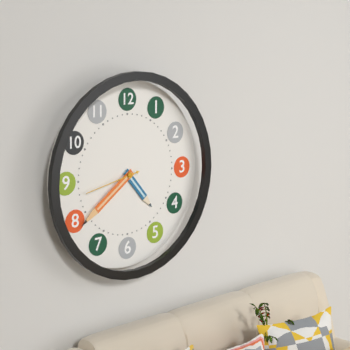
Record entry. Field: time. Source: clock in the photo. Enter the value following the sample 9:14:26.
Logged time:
4:39:43
